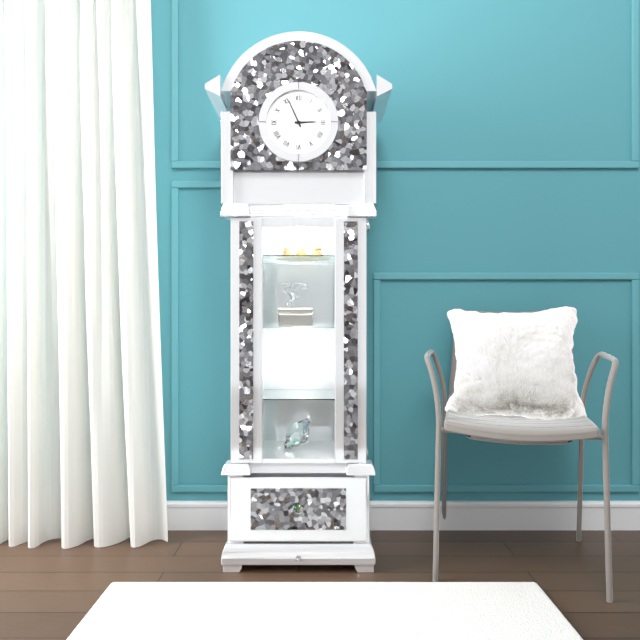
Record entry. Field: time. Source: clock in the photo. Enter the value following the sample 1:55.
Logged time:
2:56
